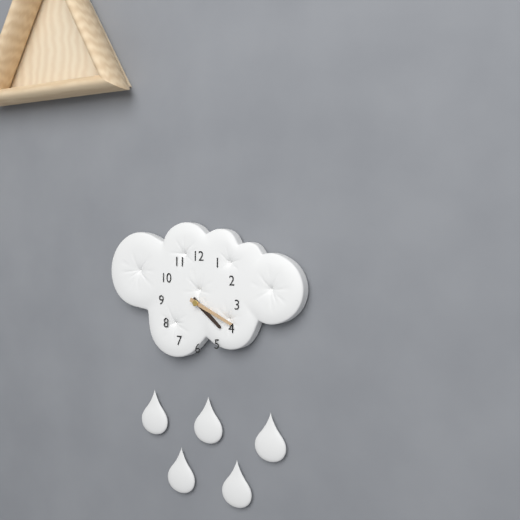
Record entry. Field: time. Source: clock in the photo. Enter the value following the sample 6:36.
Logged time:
4:19
